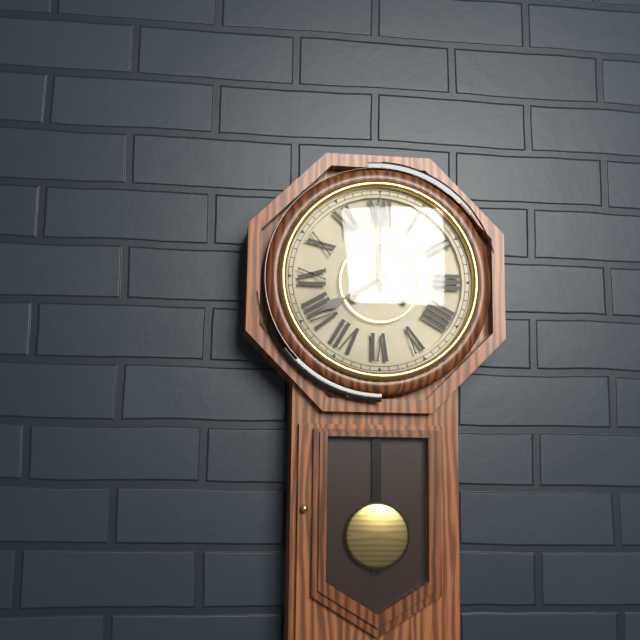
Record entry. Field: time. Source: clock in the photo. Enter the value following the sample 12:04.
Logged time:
8:00
